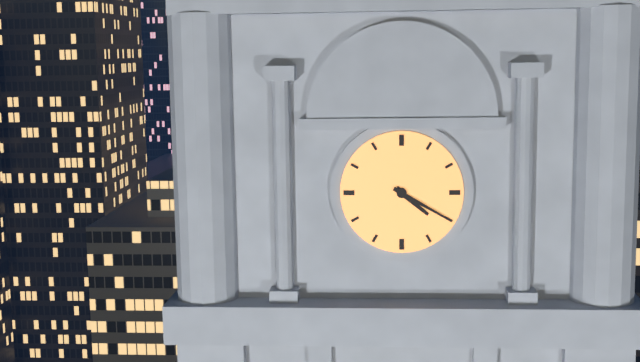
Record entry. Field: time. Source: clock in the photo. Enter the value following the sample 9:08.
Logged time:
4:20
